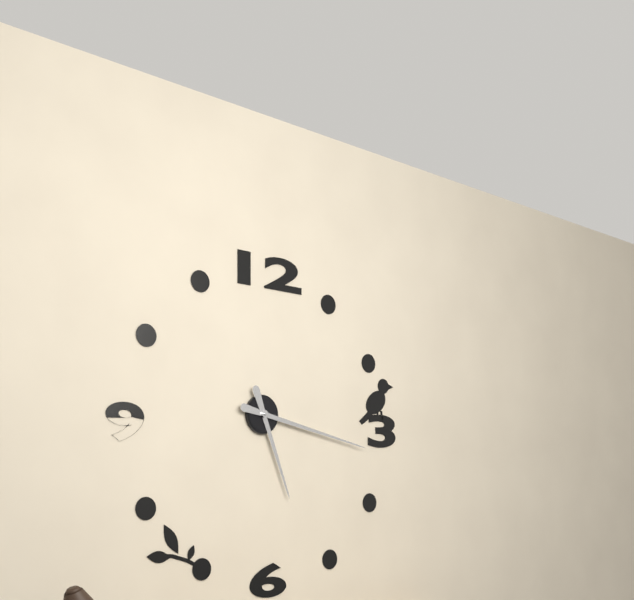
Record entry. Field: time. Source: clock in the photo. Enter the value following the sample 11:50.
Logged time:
5:17
